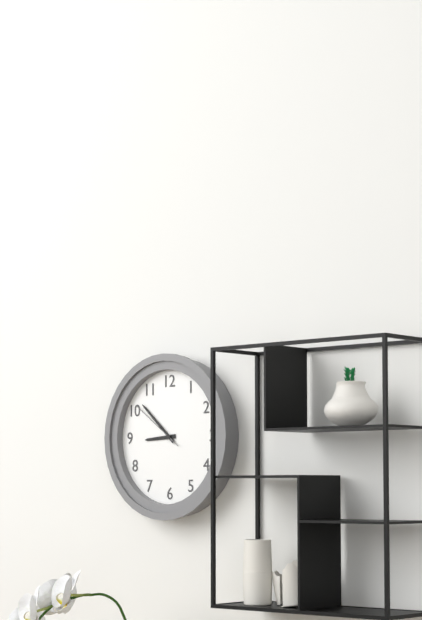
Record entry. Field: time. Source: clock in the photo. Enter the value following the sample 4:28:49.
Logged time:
8:52:51
